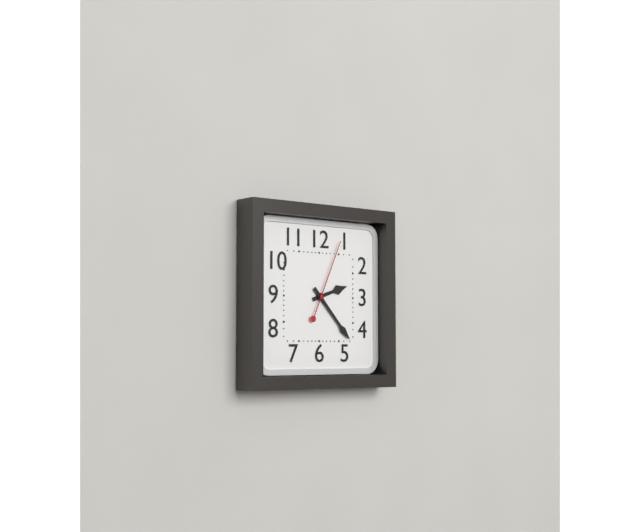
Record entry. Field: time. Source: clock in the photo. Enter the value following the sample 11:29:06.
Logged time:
2:23:04
